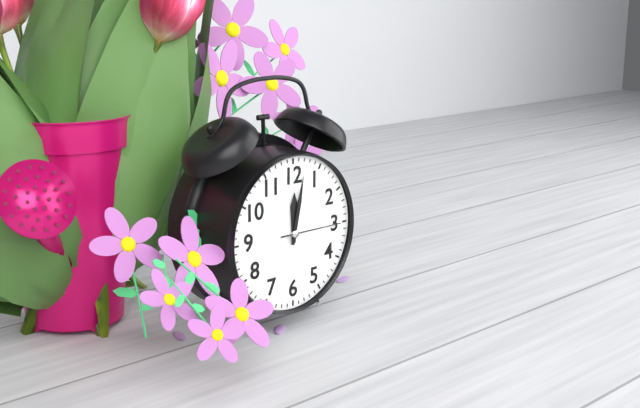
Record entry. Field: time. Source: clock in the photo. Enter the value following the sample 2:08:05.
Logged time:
12:02:15
